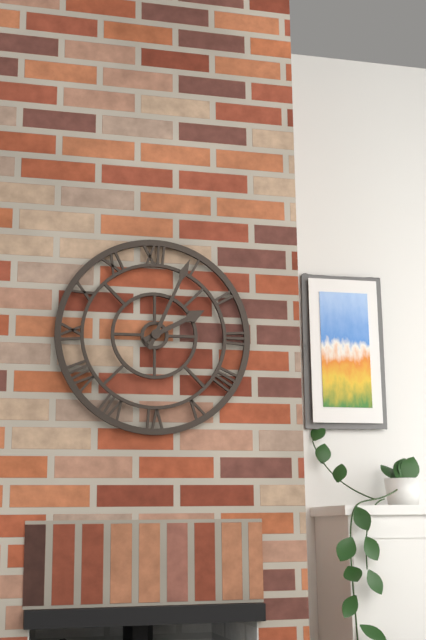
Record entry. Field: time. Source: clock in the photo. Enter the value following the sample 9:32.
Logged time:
2:04
